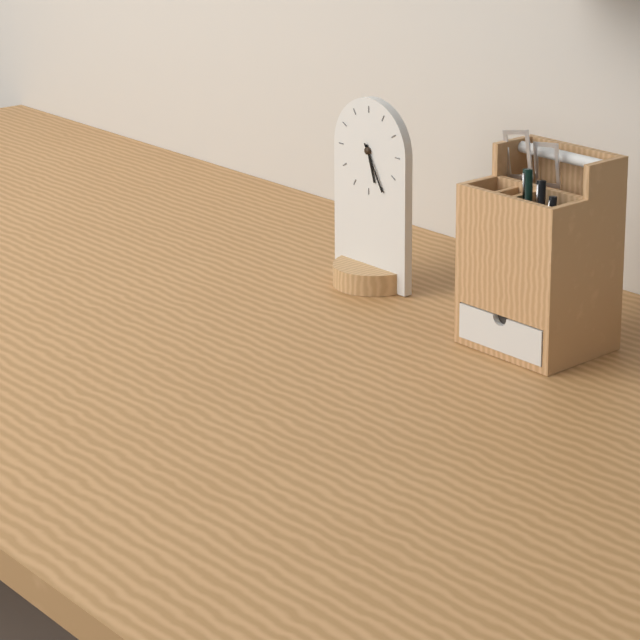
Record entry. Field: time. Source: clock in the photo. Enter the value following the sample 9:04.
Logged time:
5:25
